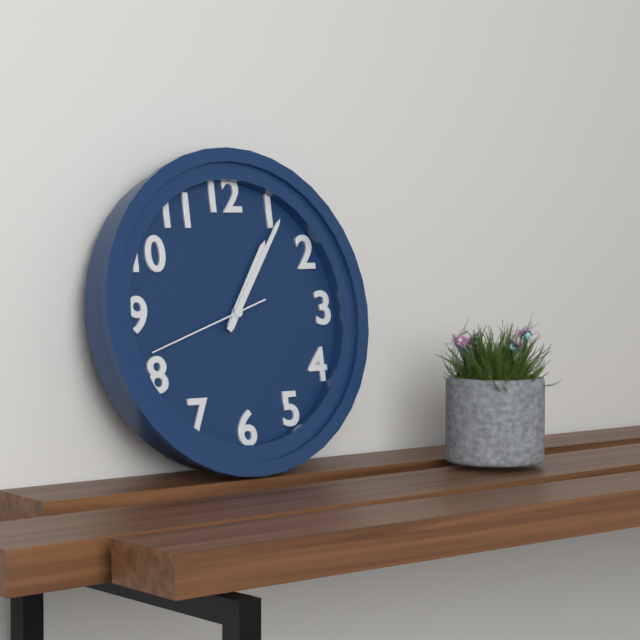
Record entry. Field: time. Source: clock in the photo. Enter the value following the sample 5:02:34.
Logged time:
1:06:42
